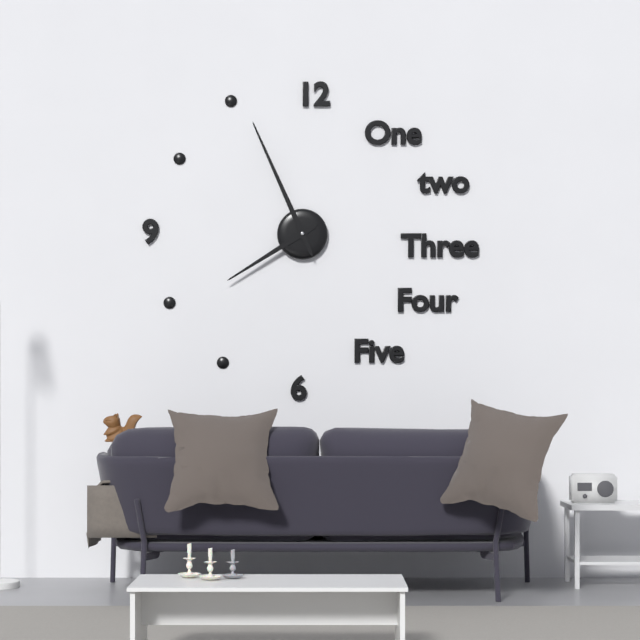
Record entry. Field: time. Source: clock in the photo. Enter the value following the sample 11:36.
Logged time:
7:56
